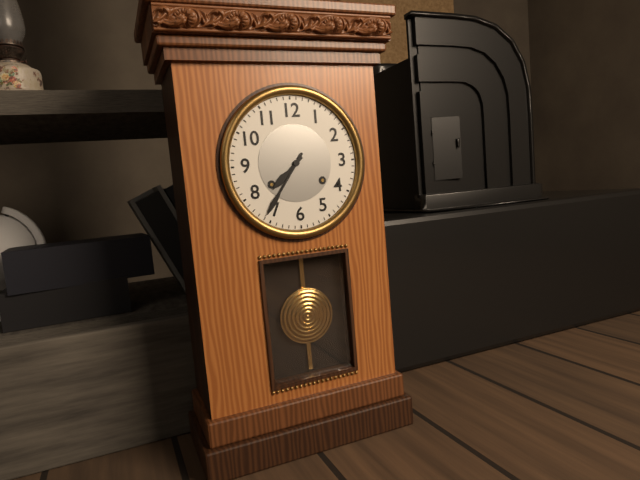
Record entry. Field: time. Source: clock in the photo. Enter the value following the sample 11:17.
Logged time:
7:36
